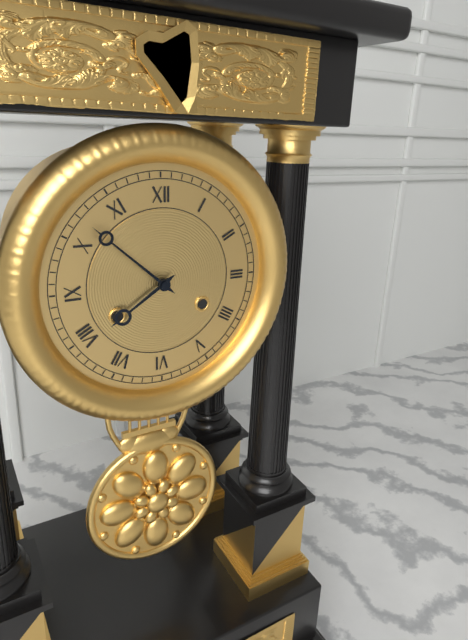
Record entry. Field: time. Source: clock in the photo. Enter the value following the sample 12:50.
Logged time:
7:52
